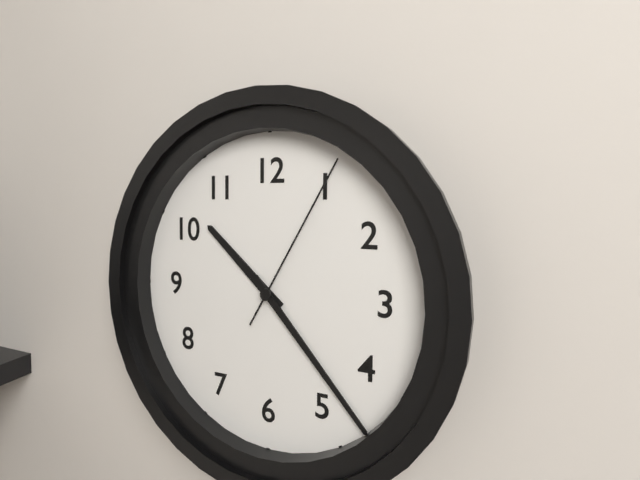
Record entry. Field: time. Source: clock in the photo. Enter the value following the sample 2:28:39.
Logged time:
10:23:05
